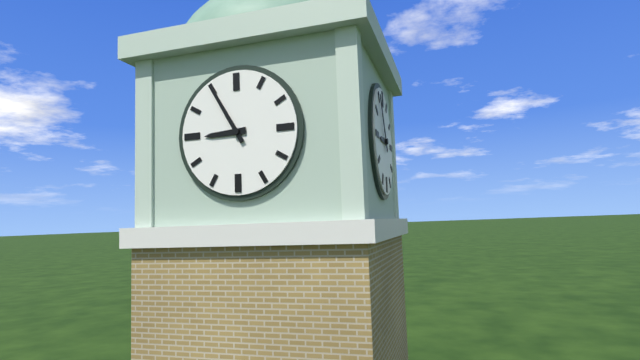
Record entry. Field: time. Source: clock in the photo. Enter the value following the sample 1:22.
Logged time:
8:55
